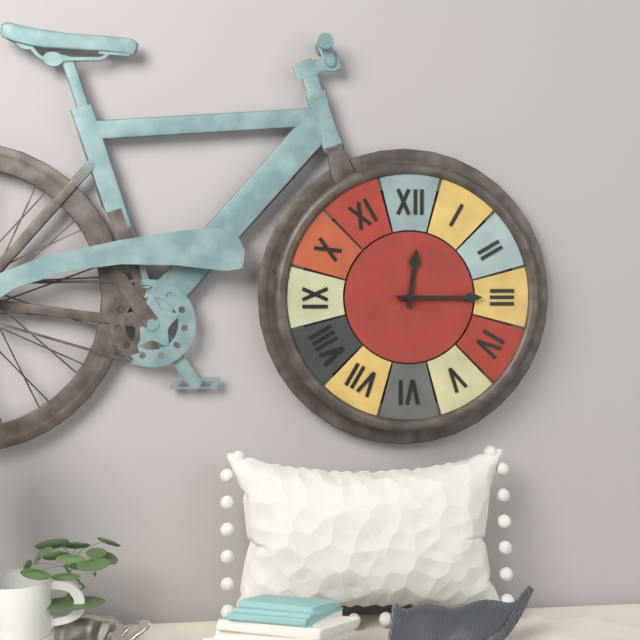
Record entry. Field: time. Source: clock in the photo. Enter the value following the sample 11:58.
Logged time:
12:15
